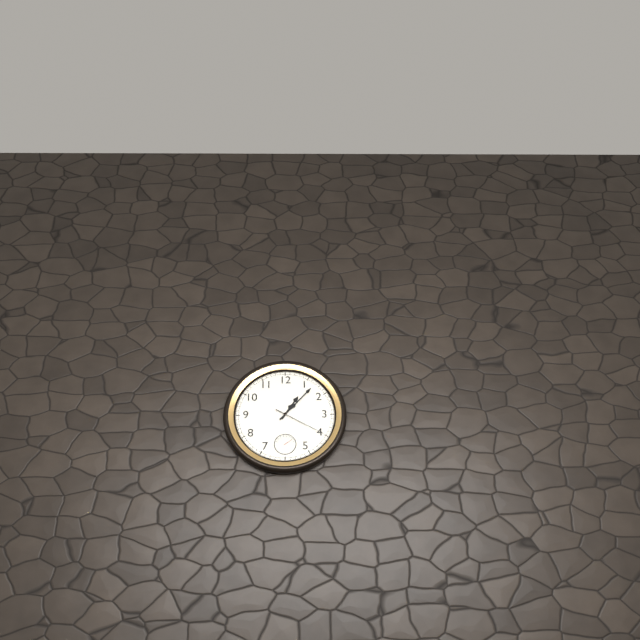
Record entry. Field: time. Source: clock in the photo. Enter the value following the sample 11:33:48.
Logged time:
1:07:20
